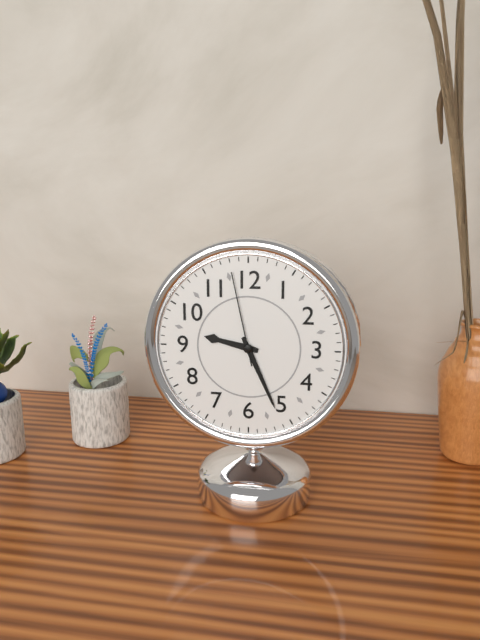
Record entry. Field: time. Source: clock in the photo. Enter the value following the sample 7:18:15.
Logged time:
9:26:58
